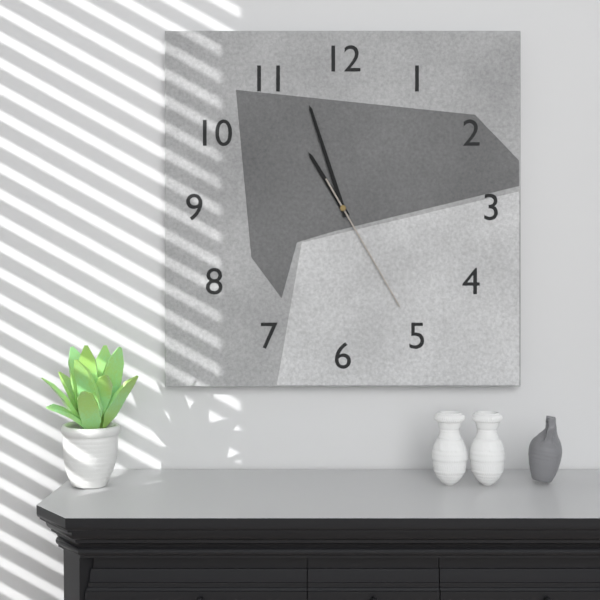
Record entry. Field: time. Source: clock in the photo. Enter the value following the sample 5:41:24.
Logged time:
10:57:25
